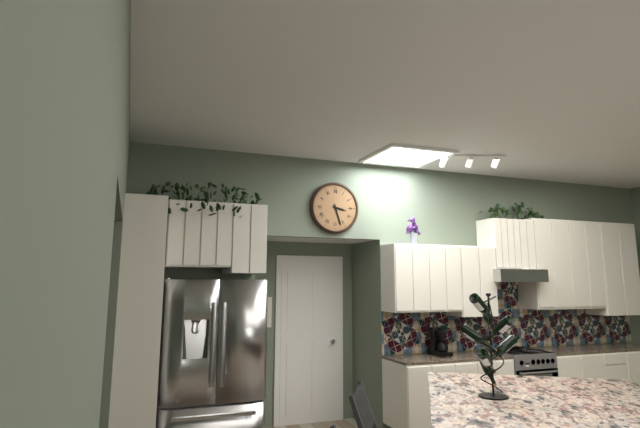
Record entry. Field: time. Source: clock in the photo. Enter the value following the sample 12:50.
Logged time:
3:27
